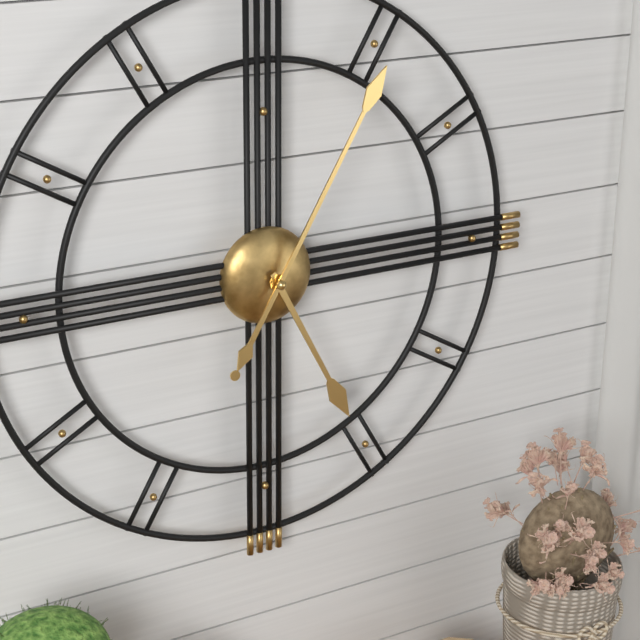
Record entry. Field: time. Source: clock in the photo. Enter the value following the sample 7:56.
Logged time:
5:05
